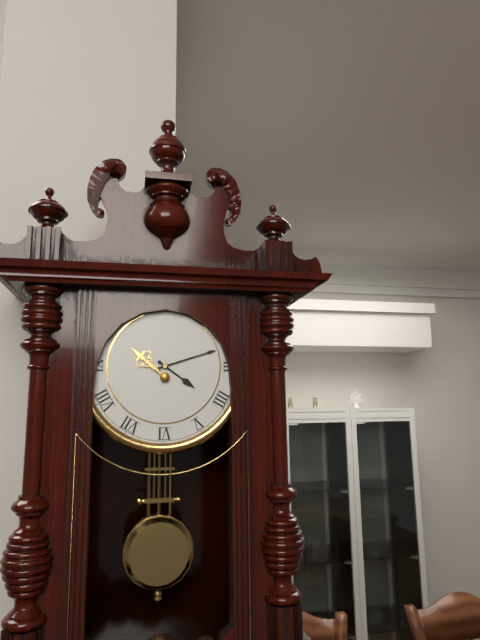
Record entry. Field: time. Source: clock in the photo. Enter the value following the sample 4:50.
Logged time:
4:12
